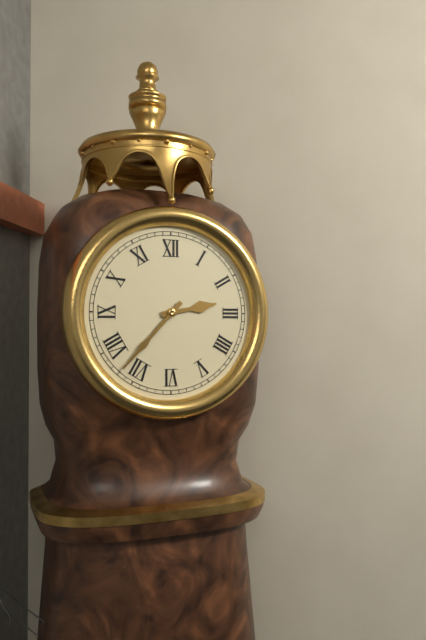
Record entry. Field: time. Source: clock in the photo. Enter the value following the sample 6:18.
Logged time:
2:37
